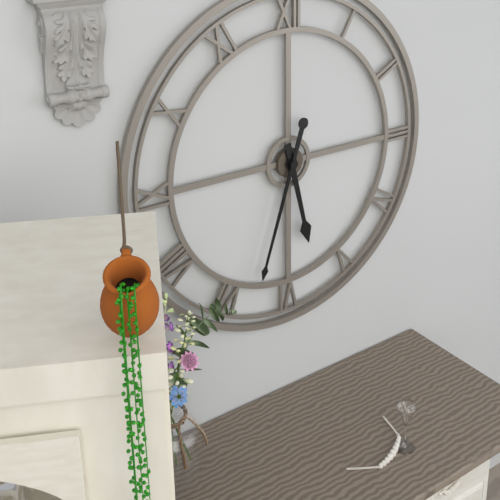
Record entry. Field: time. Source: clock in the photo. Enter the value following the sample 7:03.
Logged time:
5:33
